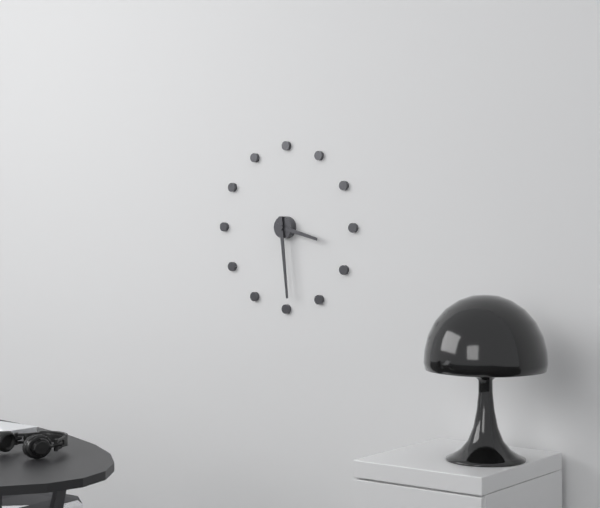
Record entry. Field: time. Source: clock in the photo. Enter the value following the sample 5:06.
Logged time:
3:29
